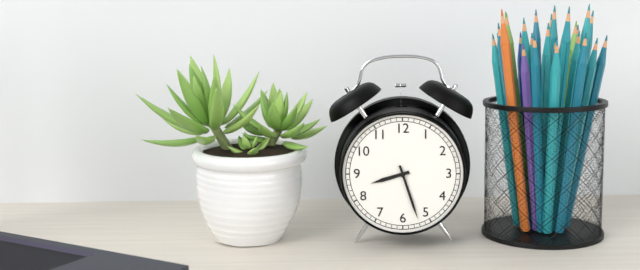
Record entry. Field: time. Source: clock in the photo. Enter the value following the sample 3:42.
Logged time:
8:27
